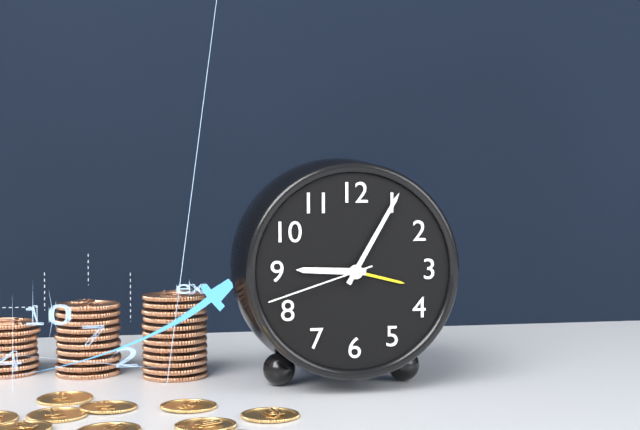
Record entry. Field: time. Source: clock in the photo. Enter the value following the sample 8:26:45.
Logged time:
9:05:42
